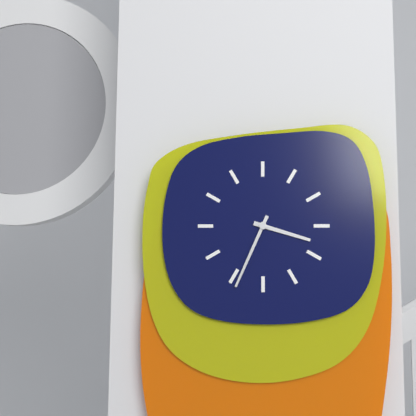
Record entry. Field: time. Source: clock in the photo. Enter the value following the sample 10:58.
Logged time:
3:34
